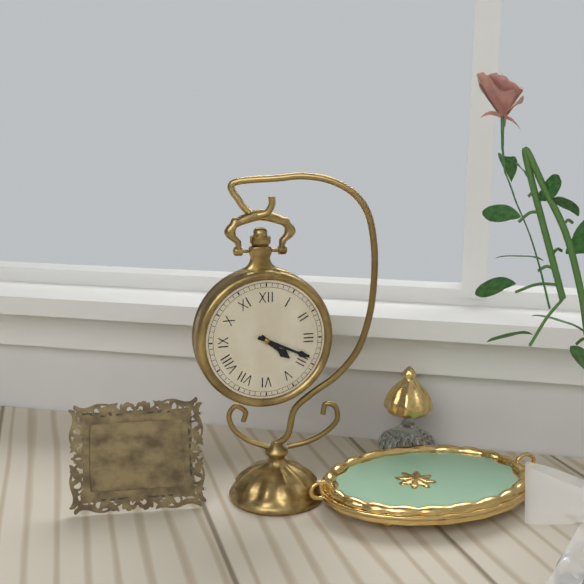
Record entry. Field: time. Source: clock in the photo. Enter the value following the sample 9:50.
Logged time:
4:19
